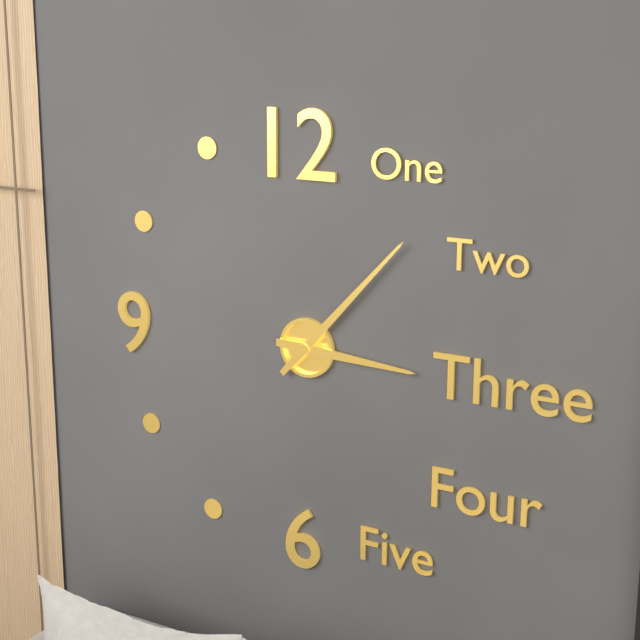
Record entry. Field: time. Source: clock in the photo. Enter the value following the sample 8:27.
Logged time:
3:07
